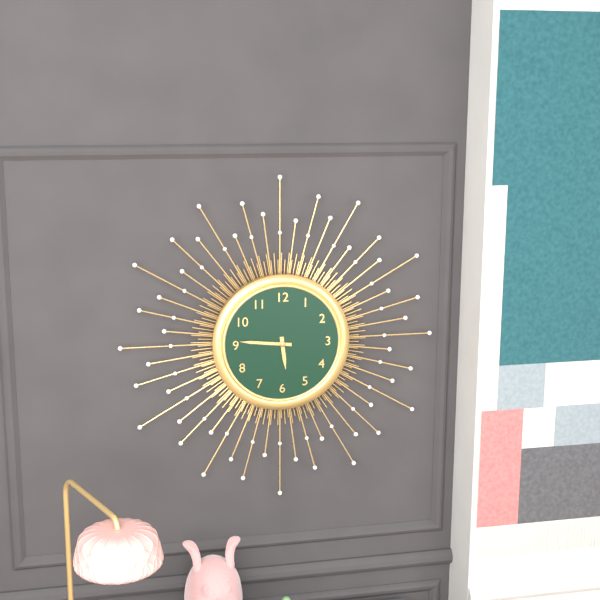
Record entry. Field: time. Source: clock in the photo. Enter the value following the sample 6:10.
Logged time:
5:46
